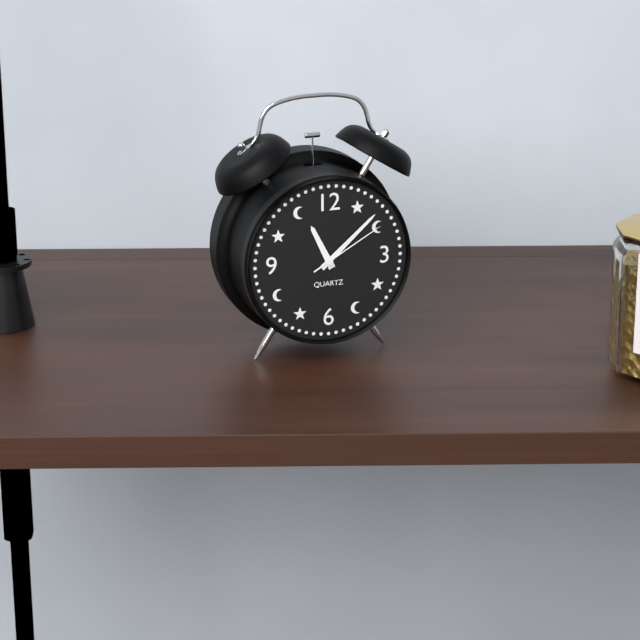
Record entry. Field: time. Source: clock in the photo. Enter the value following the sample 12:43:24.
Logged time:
11:08:10
